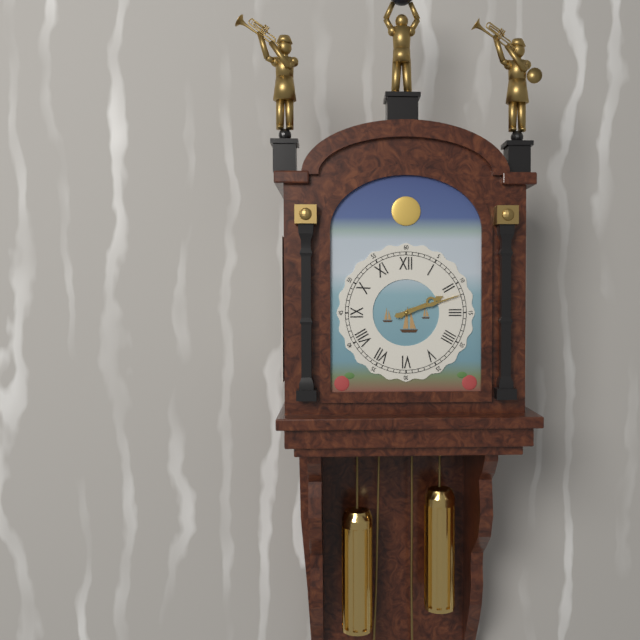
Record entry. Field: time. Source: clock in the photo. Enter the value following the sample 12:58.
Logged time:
2:12
